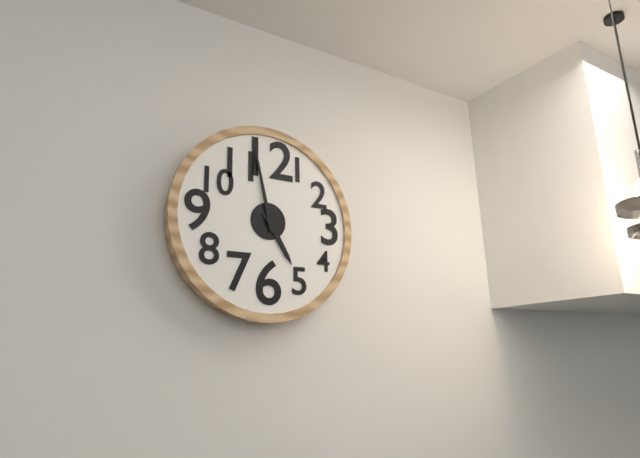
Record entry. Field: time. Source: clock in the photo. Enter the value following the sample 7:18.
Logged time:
4:58
